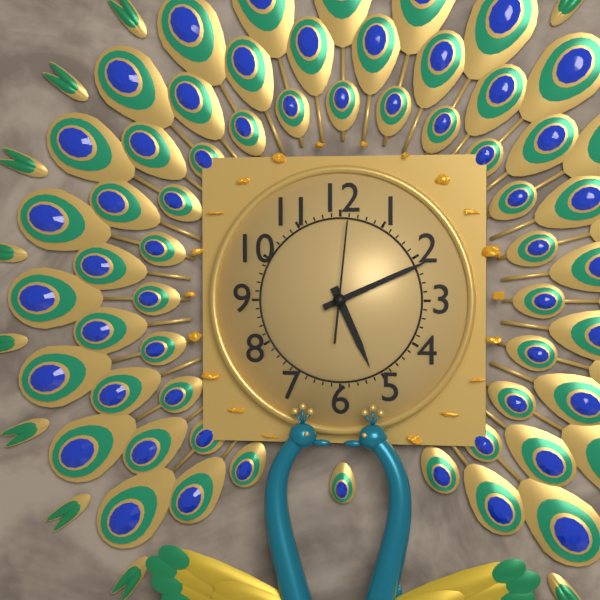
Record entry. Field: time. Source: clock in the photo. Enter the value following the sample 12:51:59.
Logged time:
5:11:01
